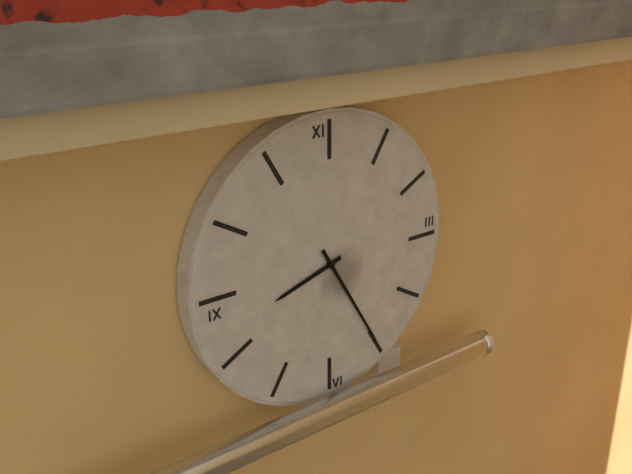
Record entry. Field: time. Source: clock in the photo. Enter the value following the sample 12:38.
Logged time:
8:25
